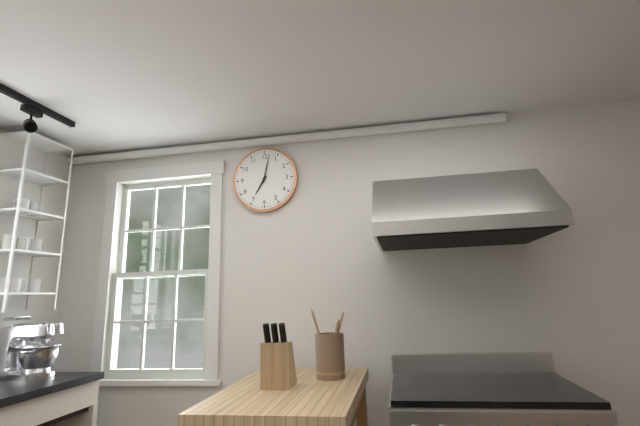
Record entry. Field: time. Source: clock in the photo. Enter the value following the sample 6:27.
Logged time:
7:02
